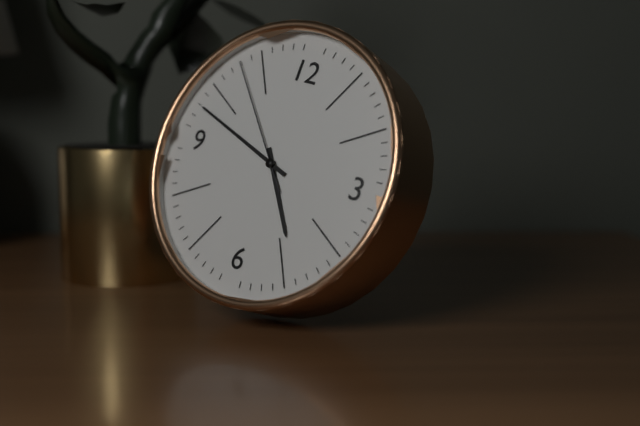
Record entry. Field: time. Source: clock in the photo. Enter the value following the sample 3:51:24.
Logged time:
4:48:53
